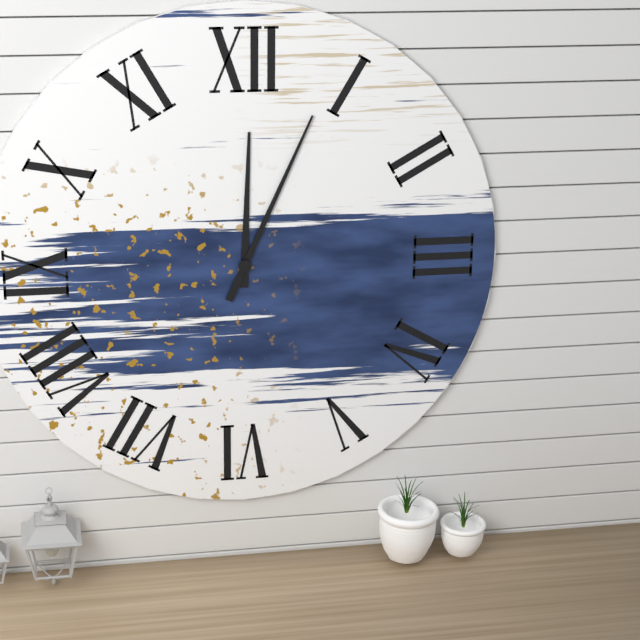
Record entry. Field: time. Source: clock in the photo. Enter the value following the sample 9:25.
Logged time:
12:04
